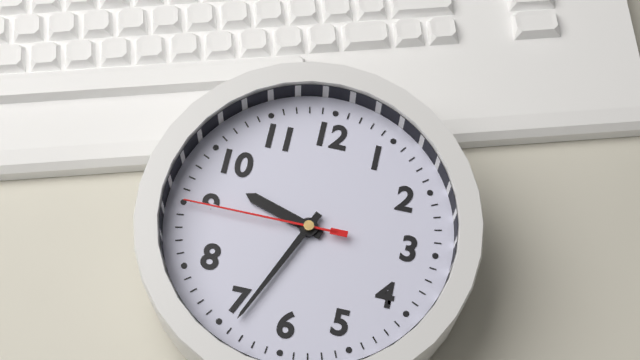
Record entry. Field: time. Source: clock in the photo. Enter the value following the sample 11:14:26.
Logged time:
9:34:45
